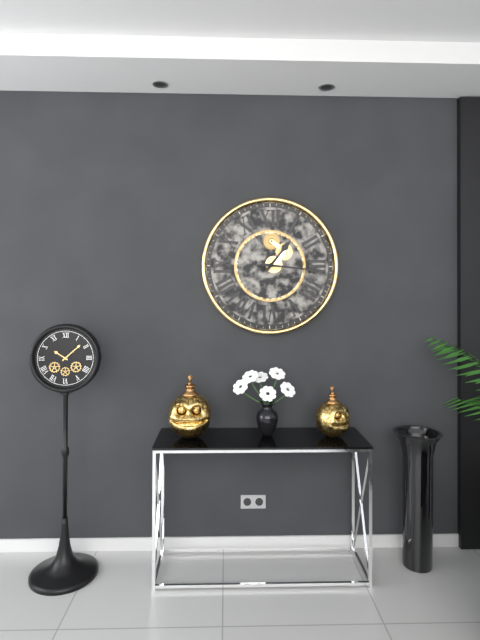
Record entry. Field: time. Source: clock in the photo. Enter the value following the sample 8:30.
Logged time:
1:16
